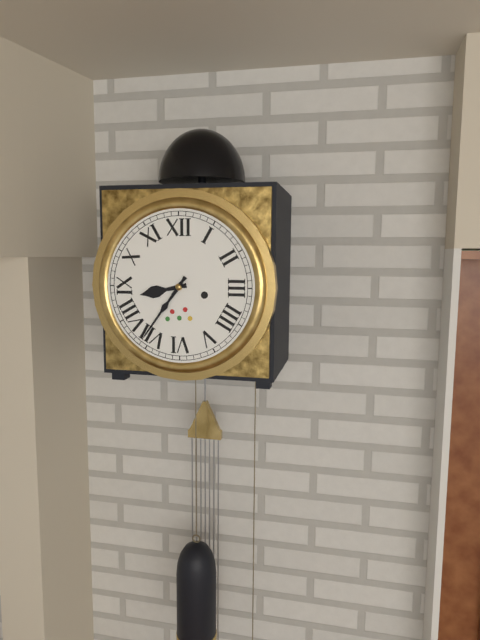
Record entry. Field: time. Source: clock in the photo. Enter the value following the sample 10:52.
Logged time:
8:36
